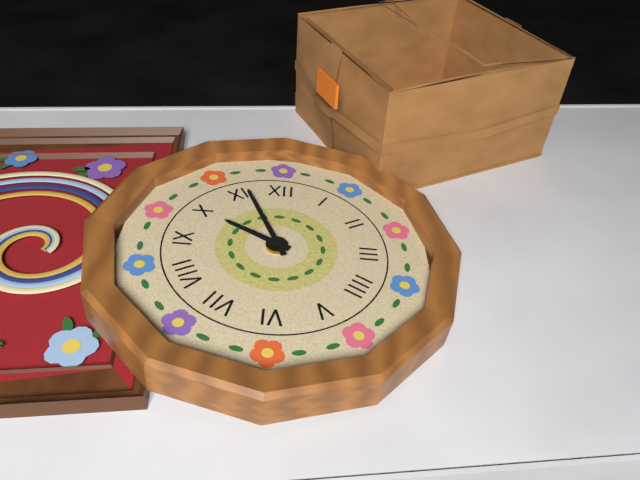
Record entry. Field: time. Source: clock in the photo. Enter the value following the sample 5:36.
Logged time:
9:56
